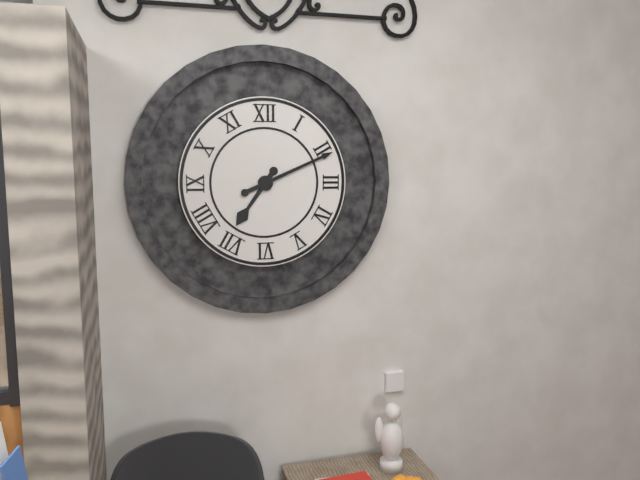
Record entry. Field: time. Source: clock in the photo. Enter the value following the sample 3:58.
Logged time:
7:11
